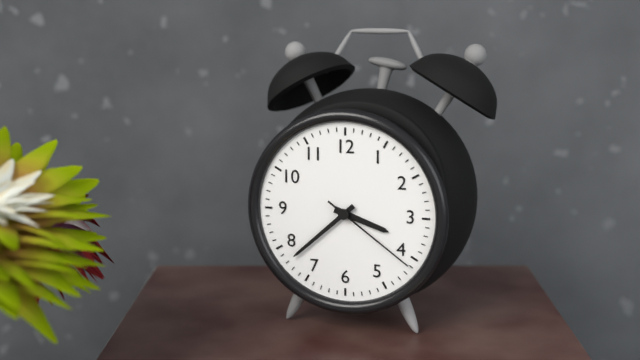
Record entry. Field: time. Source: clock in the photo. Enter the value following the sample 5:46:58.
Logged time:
3:38:21
